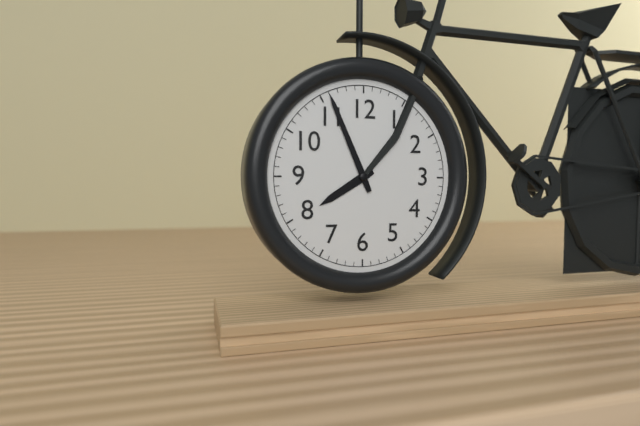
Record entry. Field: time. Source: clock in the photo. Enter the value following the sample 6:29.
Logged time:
7:56
